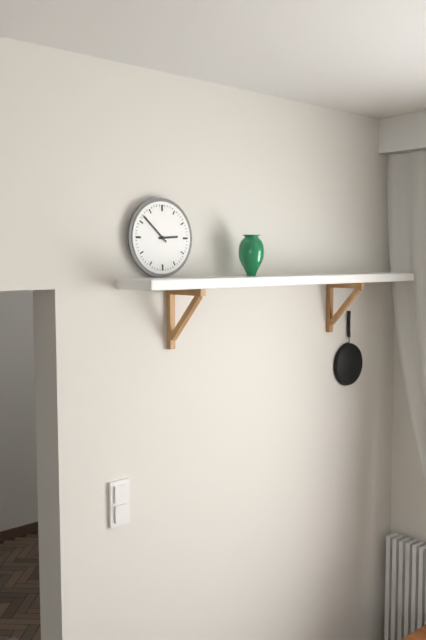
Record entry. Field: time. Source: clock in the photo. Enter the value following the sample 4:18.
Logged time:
2:52
